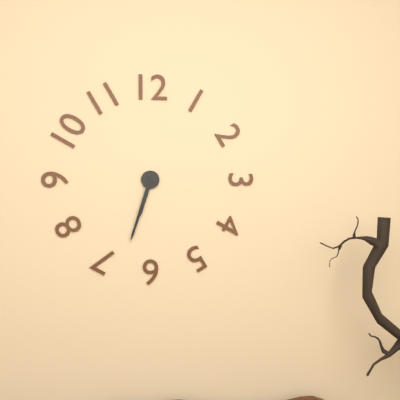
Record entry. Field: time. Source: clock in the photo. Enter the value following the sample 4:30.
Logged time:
6:33
